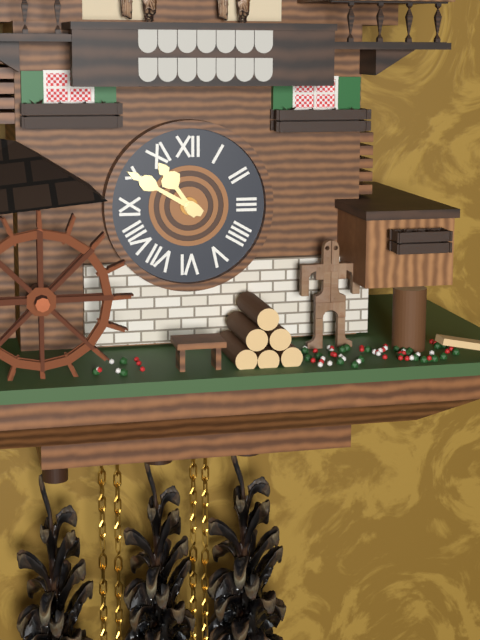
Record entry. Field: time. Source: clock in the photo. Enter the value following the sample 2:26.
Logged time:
10:50
